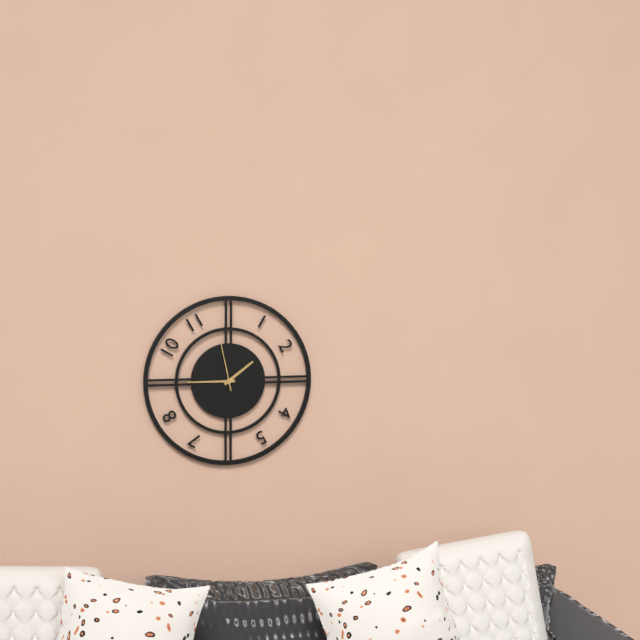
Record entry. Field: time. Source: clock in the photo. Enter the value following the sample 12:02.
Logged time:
1:45
